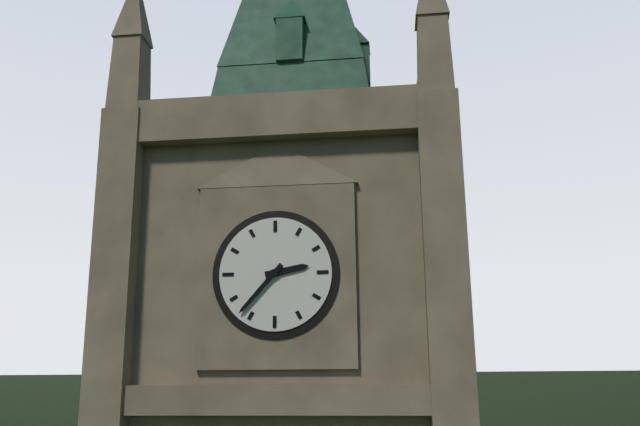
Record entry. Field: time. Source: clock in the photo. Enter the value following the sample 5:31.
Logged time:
2:37
